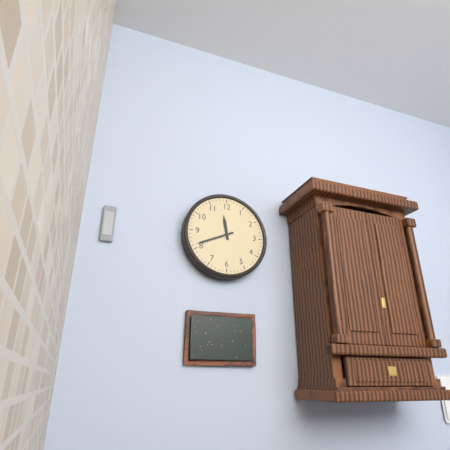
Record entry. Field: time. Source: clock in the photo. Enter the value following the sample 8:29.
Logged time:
11:41
